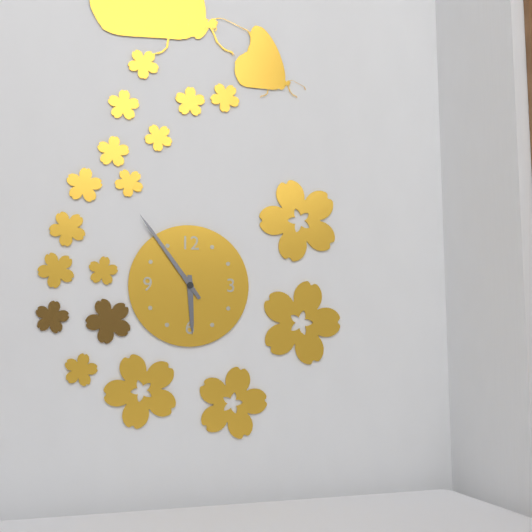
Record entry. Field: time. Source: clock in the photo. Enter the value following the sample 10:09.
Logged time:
5:54
